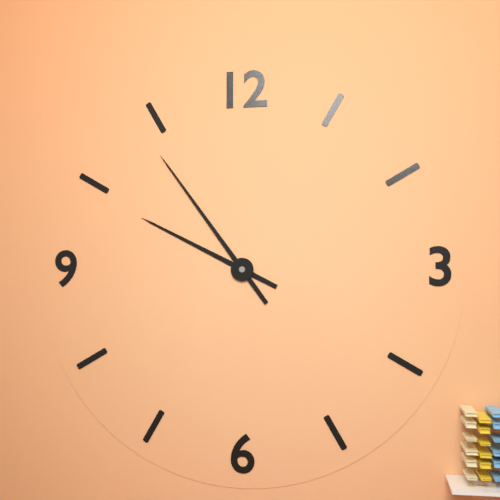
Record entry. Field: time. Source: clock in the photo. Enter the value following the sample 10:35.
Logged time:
9:54
